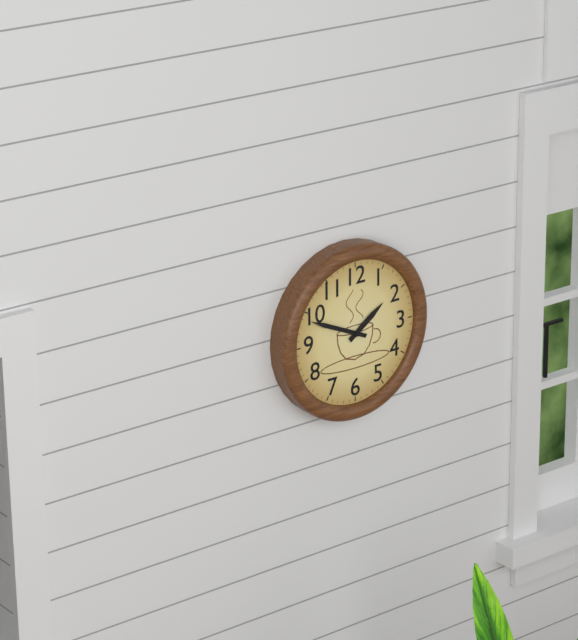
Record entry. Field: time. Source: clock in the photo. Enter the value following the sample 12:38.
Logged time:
1:49
